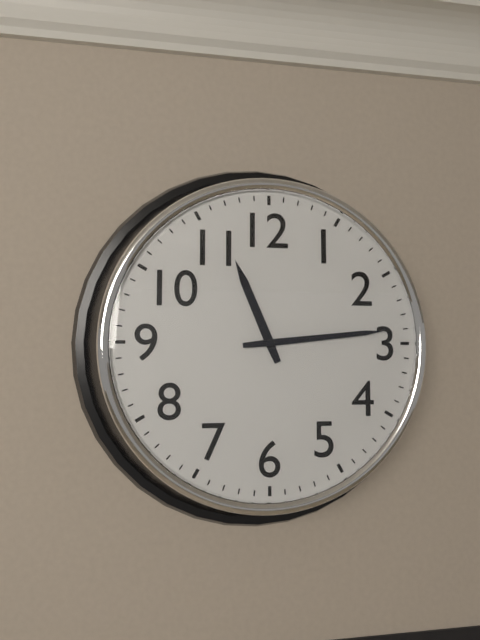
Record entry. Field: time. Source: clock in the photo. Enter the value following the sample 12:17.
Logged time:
11:14
